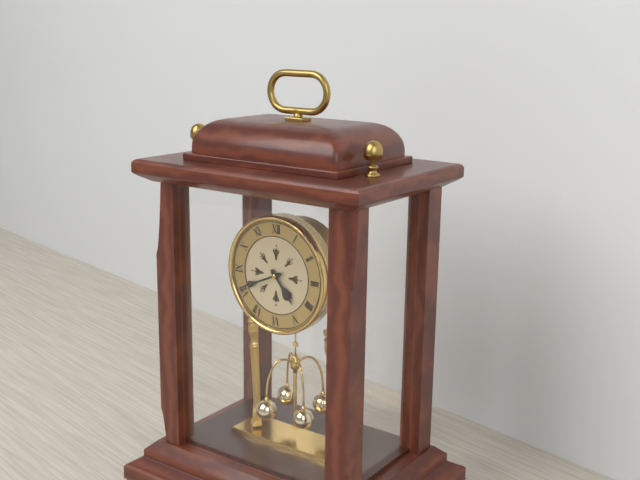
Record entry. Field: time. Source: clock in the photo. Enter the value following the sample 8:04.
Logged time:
4:41
